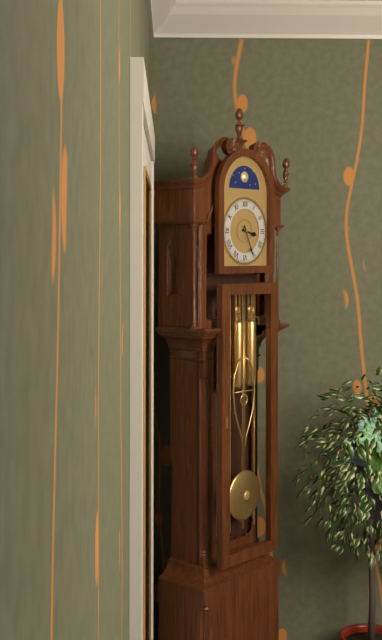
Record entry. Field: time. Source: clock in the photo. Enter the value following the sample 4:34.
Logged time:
3:26
